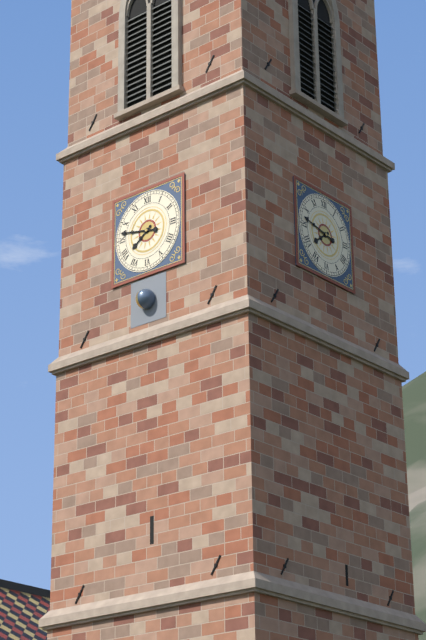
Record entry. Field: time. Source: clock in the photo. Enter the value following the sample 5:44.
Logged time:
7:47
